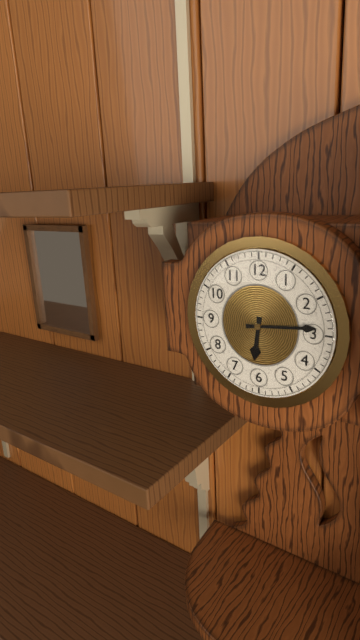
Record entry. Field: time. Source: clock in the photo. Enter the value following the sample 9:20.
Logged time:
6:14
